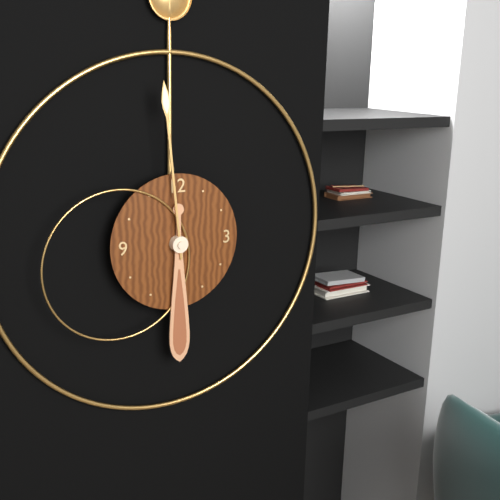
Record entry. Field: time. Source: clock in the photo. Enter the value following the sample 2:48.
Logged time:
5:59
